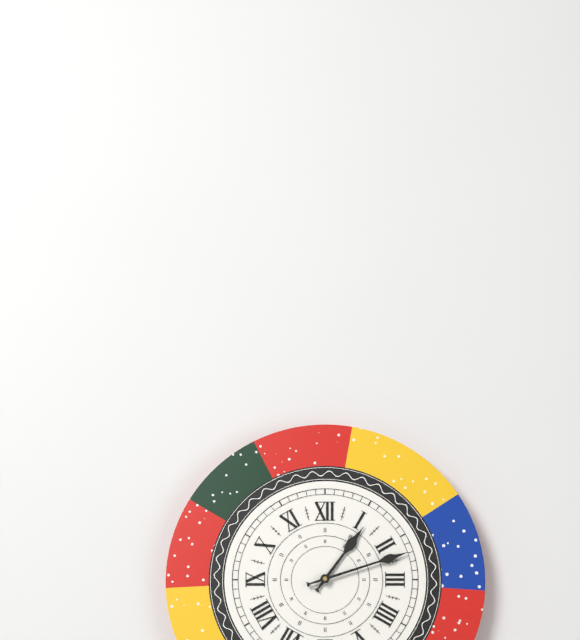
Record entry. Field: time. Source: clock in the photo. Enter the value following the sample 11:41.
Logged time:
1:12
